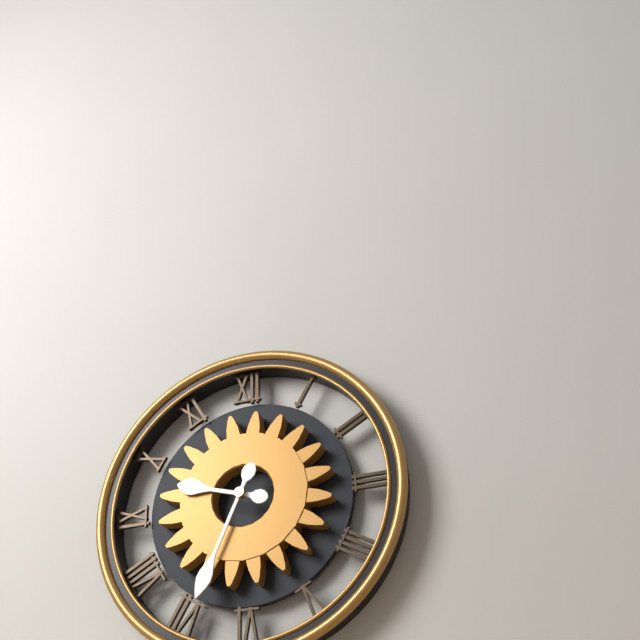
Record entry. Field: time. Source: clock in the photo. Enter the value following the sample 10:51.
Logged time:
9:34
